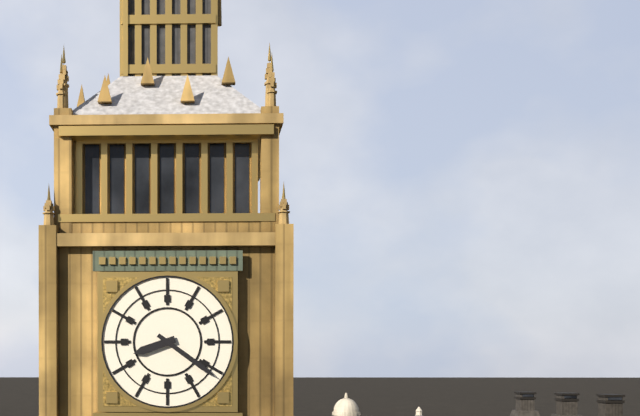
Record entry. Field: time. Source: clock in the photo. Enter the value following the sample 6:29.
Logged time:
8:21
